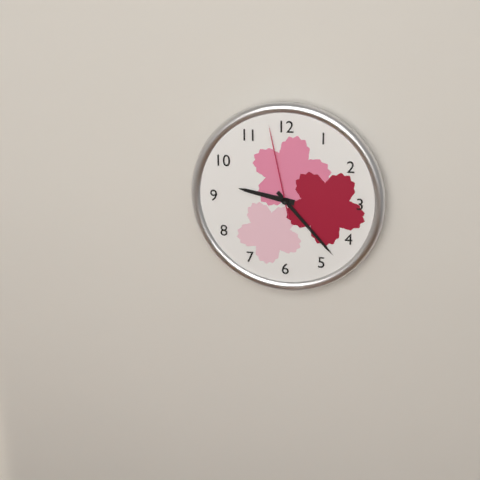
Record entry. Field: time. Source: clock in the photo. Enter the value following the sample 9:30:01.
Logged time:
9:23:58
